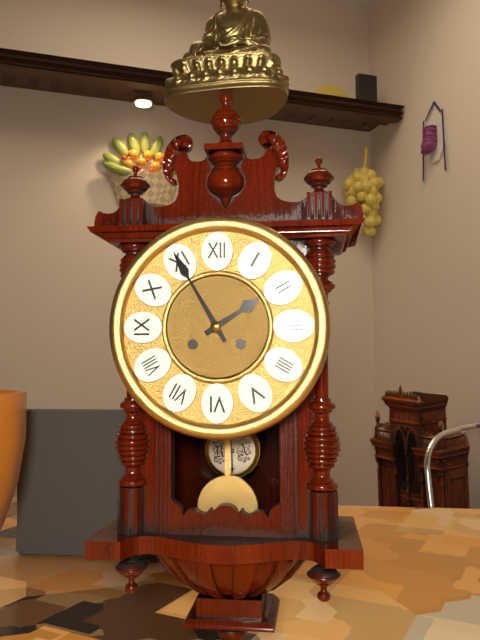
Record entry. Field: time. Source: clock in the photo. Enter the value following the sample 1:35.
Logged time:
1:55
